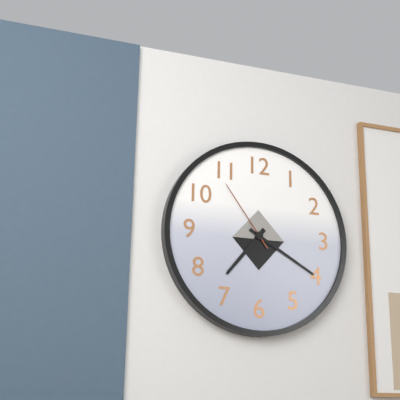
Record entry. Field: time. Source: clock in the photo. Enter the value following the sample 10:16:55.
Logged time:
7:20:54
